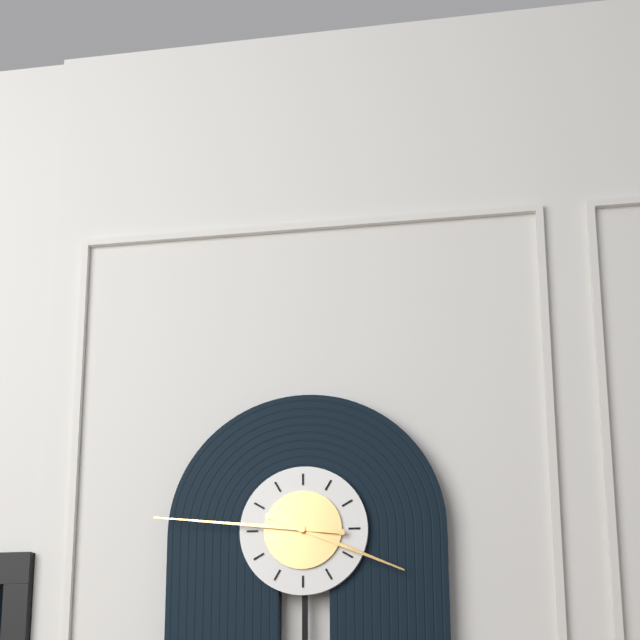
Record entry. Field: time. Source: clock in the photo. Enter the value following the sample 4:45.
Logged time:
3:46
